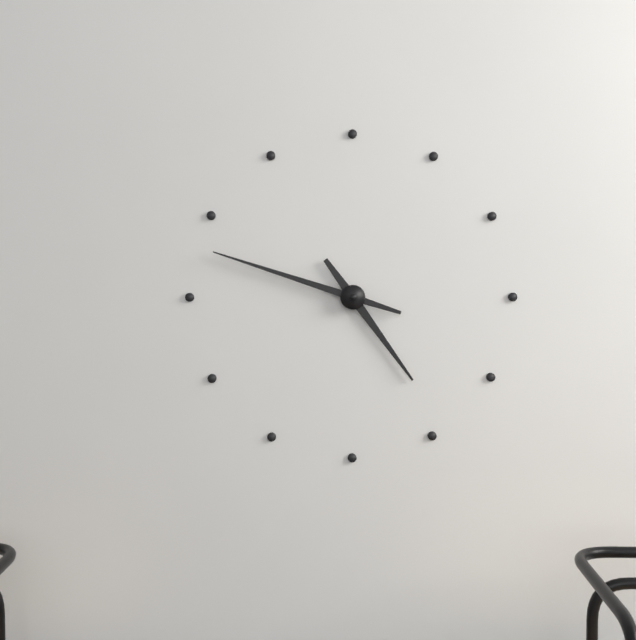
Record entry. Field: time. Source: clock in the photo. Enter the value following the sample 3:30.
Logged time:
4:48
